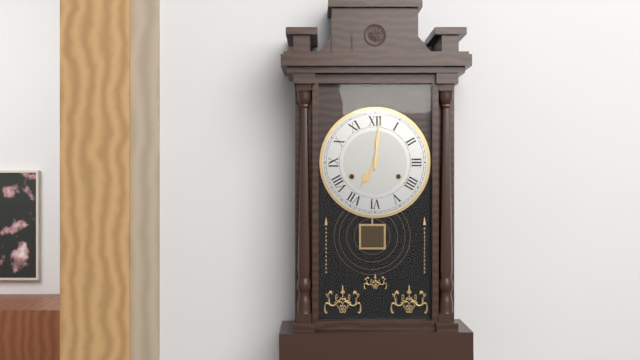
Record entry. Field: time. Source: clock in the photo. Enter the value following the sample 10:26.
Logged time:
7:01
